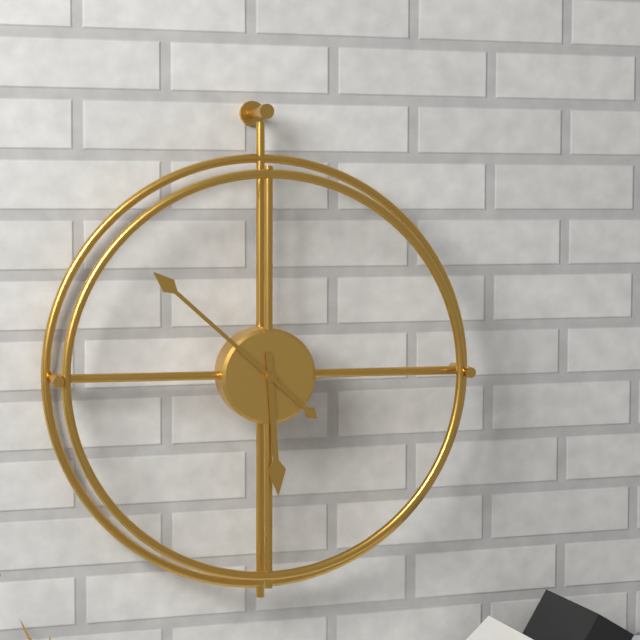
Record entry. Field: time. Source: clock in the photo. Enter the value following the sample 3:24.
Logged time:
5:52
